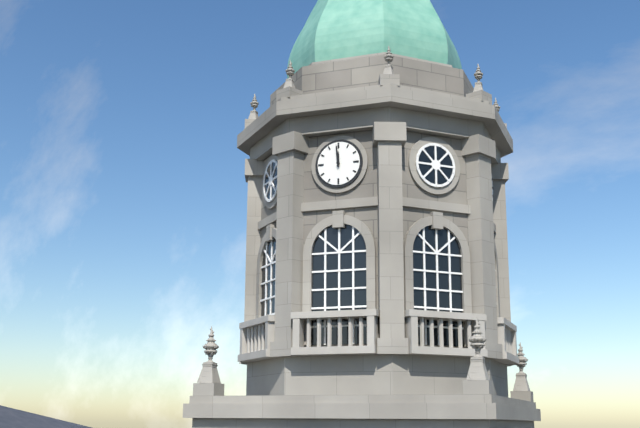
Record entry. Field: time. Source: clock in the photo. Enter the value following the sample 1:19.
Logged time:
11:59
